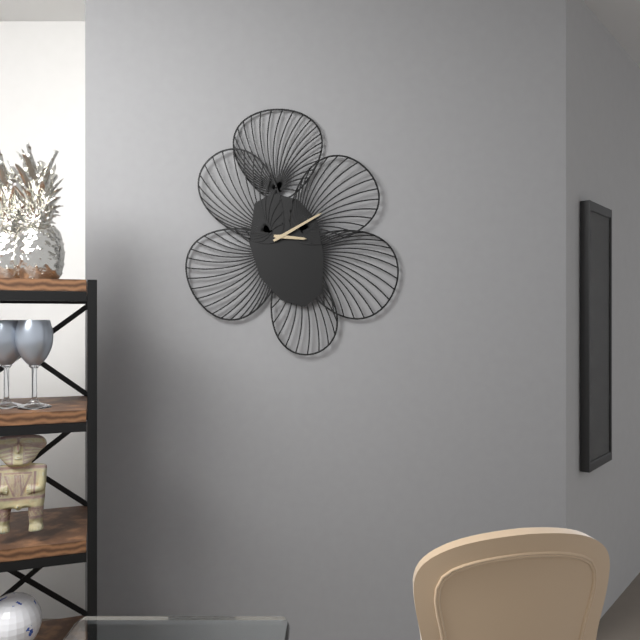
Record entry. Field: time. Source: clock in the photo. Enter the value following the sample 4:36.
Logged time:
3:10
